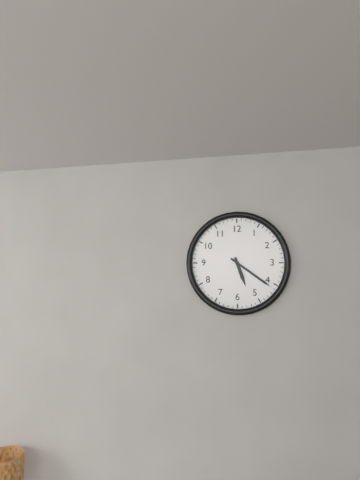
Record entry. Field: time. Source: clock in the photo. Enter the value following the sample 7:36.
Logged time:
5:21
